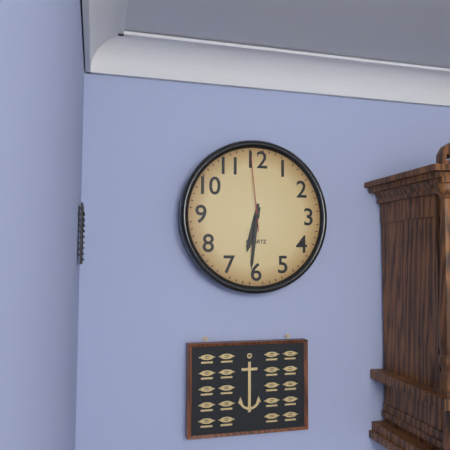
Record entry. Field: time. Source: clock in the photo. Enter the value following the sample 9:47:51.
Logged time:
6:31:59
